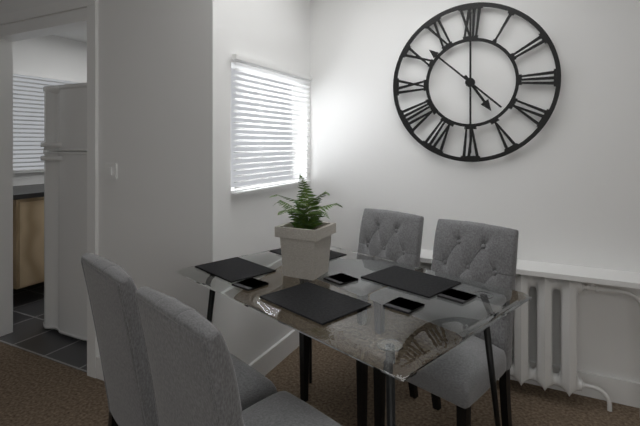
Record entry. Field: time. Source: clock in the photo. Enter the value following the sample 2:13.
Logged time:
4:52
